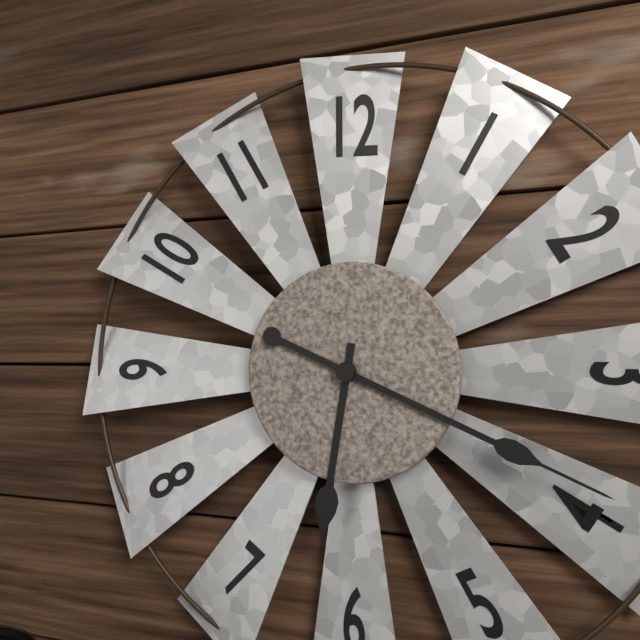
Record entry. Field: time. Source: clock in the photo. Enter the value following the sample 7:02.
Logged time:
6:19
